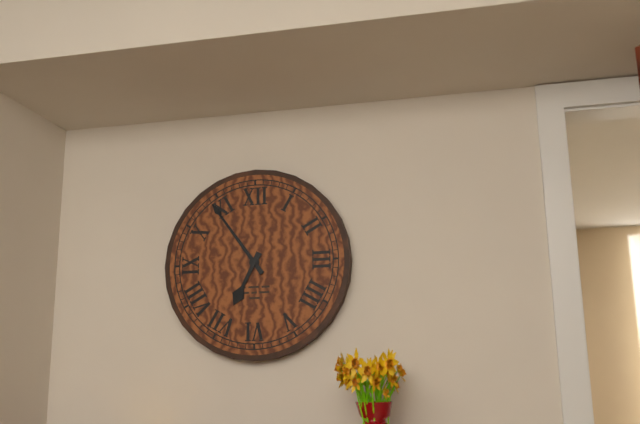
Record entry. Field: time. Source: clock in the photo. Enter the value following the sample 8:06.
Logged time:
6:54
